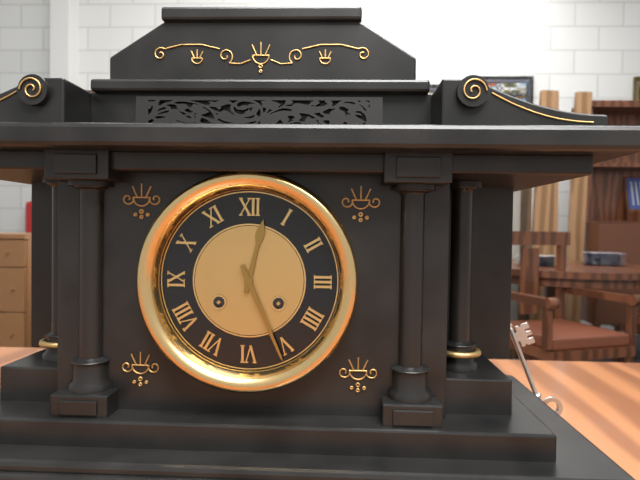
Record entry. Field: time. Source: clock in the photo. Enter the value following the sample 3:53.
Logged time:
12:26
